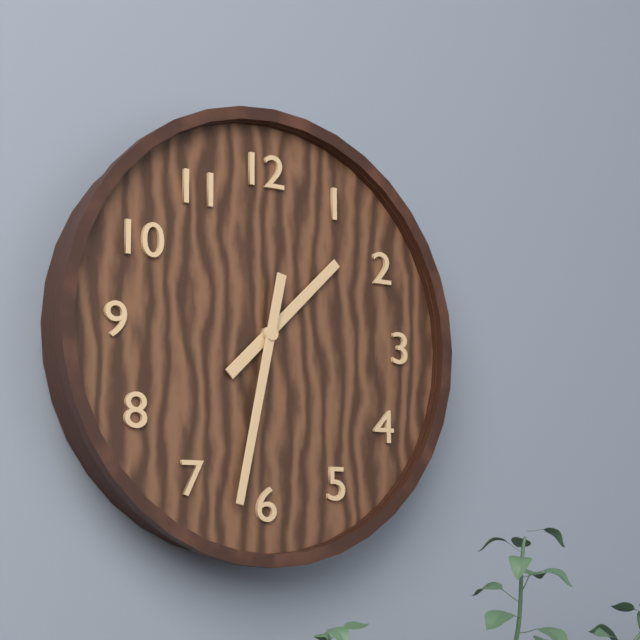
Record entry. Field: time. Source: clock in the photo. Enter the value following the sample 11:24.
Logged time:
1:32
